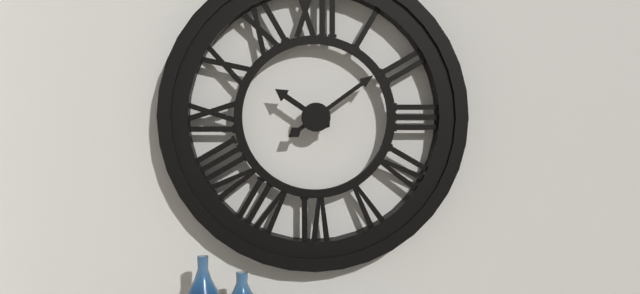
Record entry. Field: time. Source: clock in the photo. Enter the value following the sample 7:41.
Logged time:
10:09
